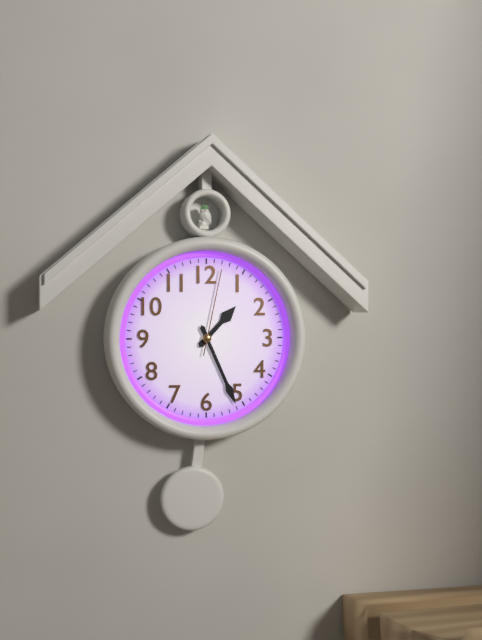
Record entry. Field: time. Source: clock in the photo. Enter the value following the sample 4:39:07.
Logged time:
1:26:02
